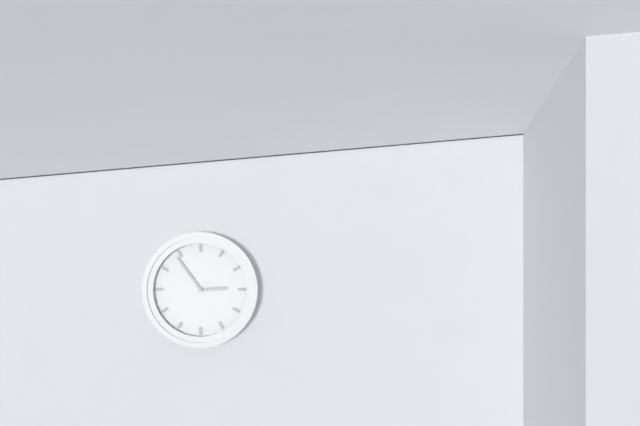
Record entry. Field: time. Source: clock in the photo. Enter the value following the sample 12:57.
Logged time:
2:54
